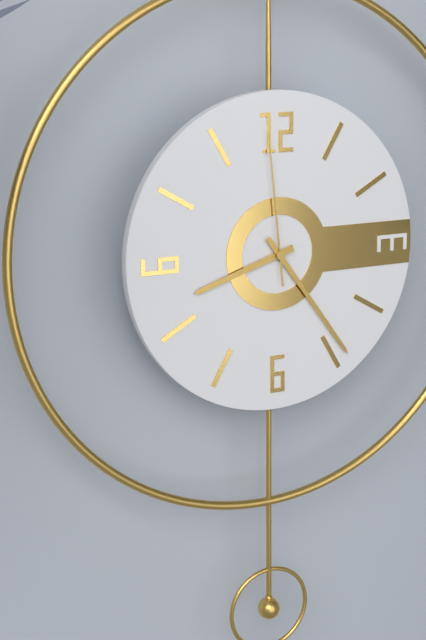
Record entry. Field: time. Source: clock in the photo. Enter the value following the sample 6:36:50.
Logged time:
8:24:59
